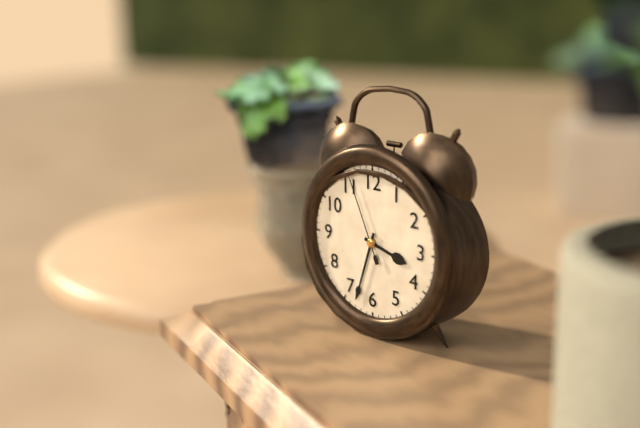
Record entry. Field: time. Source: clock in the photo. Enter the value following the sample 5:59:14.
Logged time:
3:33:56
